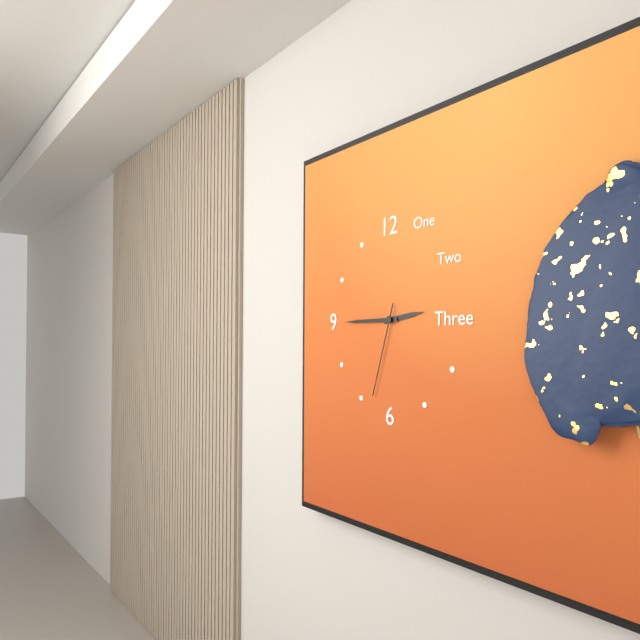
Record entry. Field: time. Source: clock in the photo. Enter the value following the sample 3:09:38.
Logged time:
2:45:33
